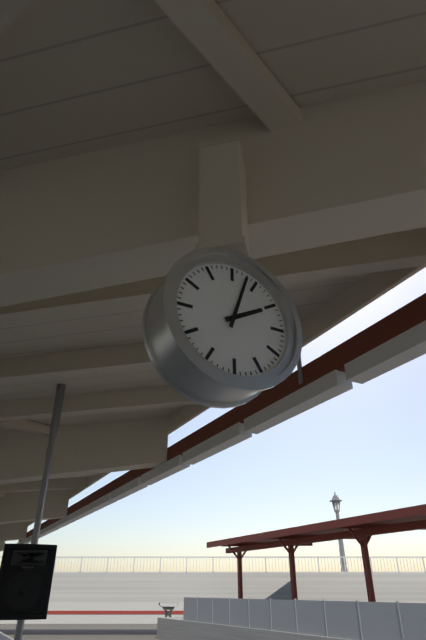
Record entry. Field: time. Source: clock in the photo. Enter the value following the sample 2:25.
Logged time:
2:03
